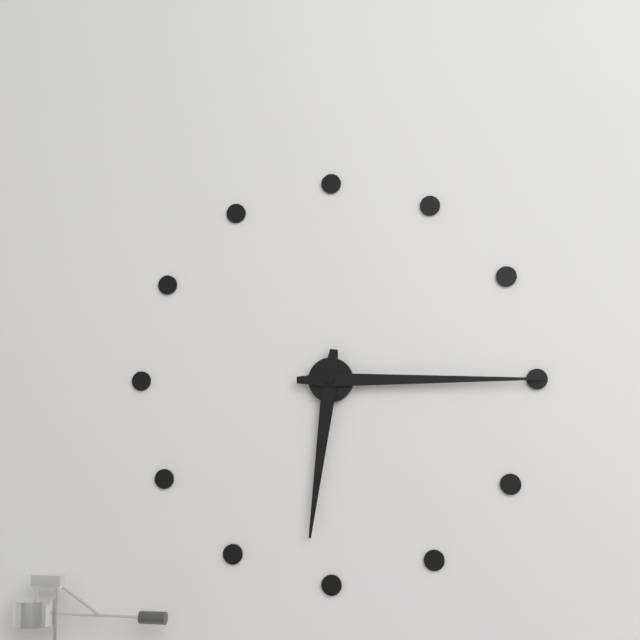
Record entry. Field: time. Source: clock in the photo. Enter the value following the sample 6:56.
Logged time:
6:15
